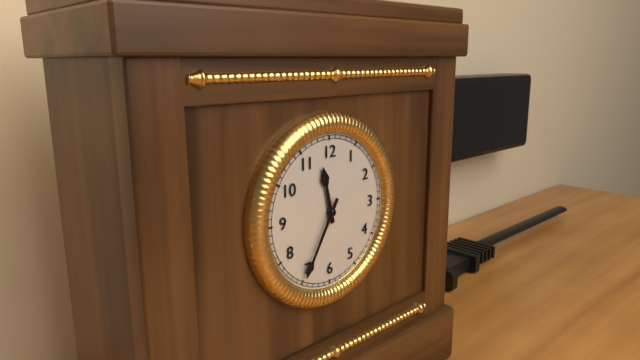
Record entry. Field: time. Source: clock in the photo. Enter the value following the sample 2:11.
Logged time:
11:35
